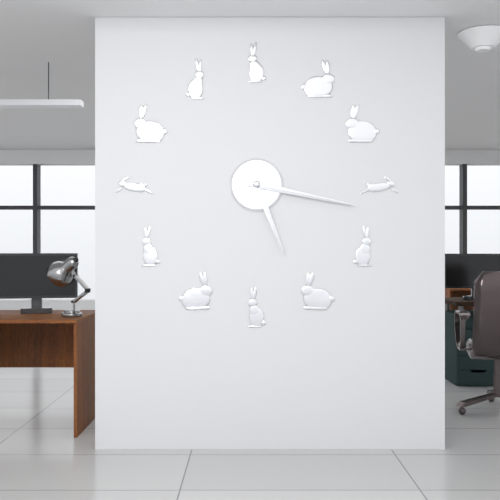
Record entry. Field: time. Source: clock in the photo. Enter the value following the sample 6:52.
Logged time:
5:17
